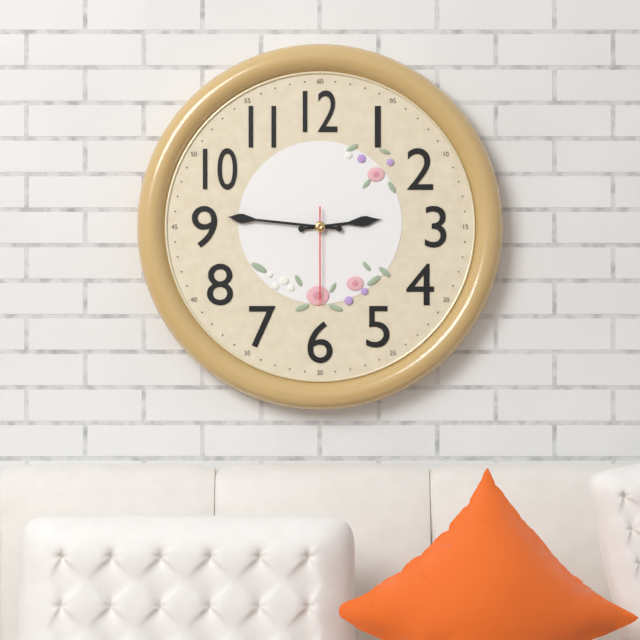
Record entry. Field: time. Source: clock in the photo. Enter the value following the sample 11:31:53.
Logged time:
2:46:30
